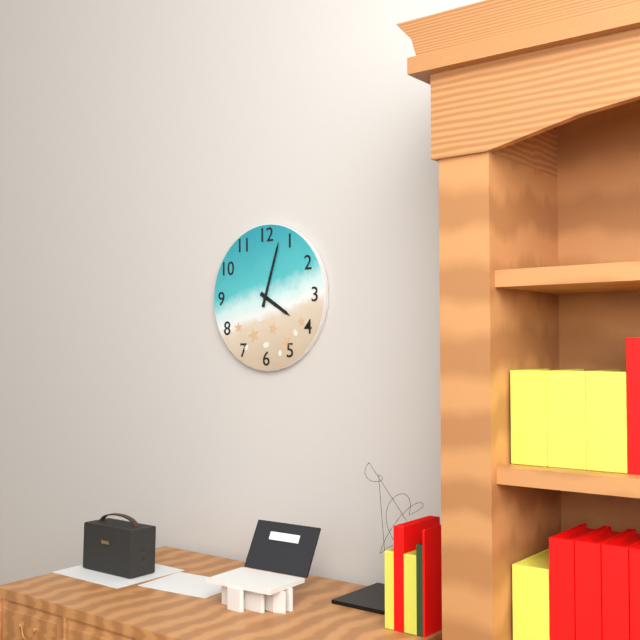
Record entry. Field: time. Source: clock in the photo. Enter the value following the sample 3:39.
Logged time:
4:03
